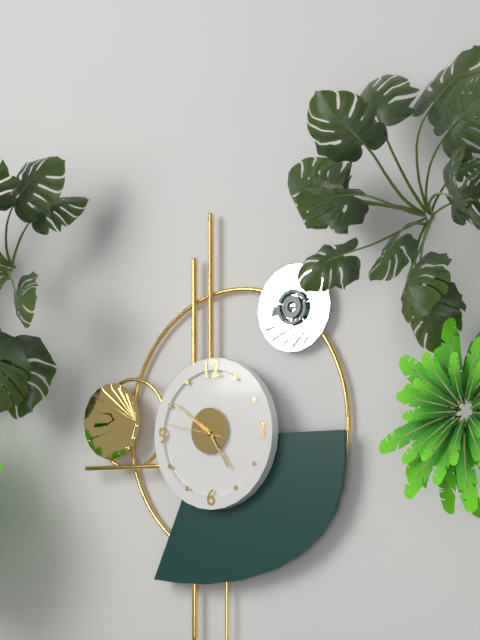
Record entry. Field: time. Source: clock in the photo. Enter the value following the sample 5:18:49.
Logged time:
4:51:47
